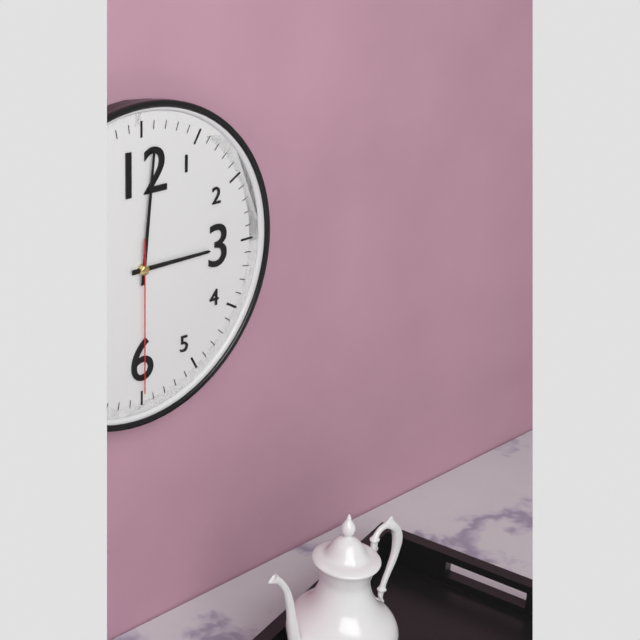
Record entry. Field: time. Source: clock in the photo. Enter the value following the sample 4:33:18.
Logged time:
3:01:30
